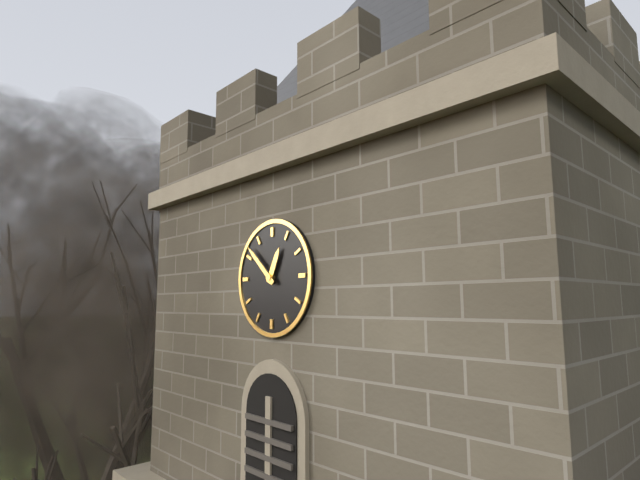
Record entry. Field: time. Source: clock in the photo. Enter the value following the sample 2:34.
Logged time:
12:52
